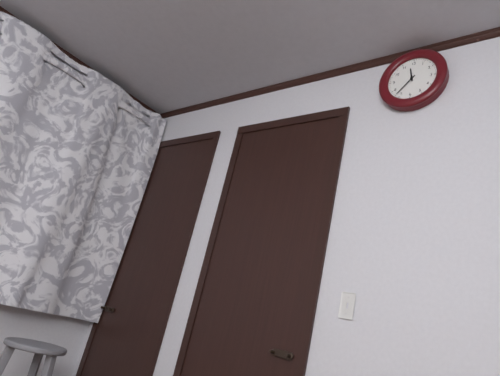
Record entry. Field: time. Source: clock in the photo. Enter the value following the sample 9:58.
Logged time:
11:37
